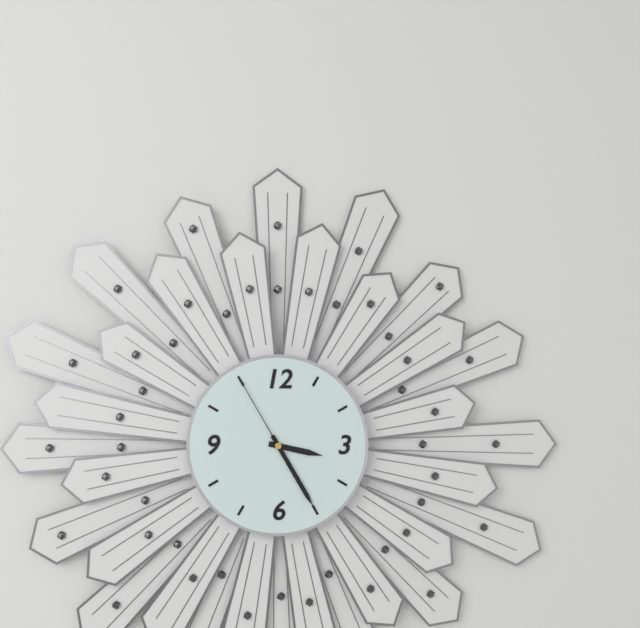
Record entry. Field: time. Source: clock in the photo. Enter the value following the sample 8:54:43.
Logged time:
3:25:55
